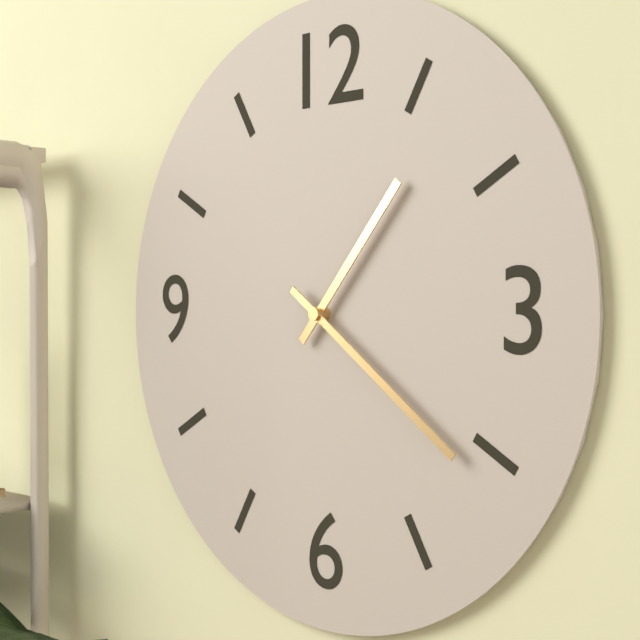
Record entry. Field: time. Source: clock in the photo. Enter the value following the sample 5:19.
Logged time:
1:21
